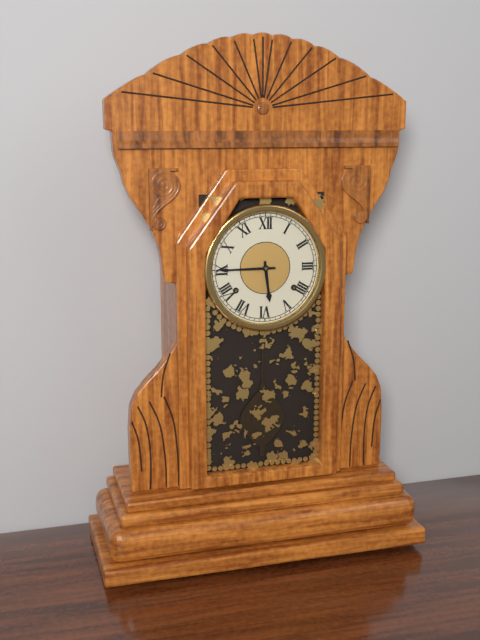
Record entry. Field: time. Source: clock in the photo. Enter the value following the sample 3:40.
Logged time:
5:45
